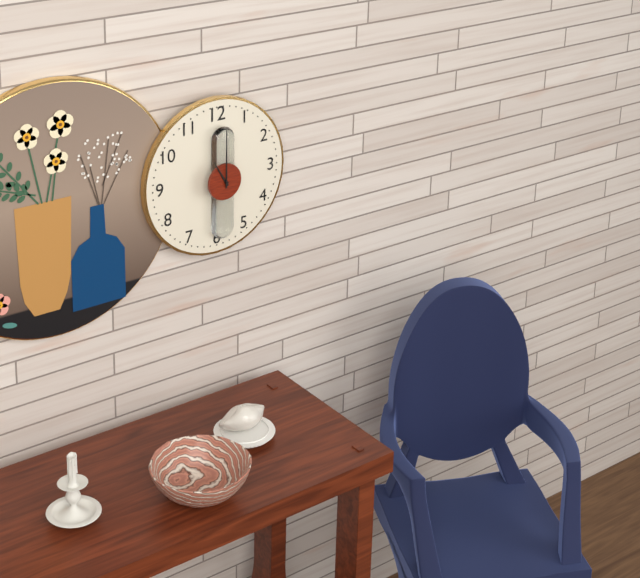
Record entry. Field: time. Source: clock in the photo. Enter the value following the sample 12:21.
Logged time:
11:00
